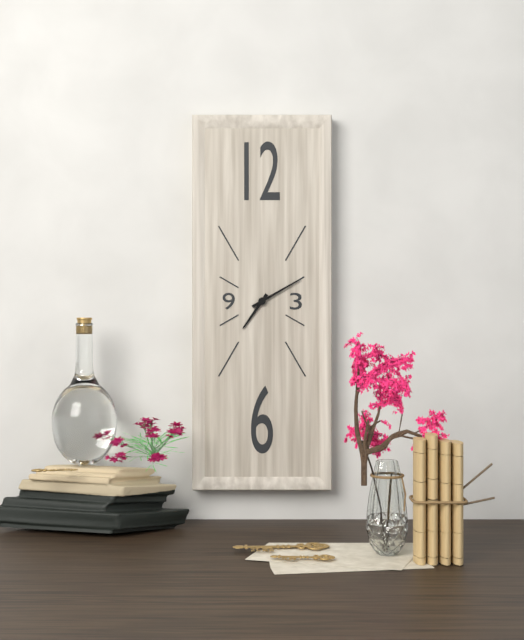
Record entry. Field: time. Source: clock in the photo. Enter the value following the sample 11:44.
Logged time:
7:10
